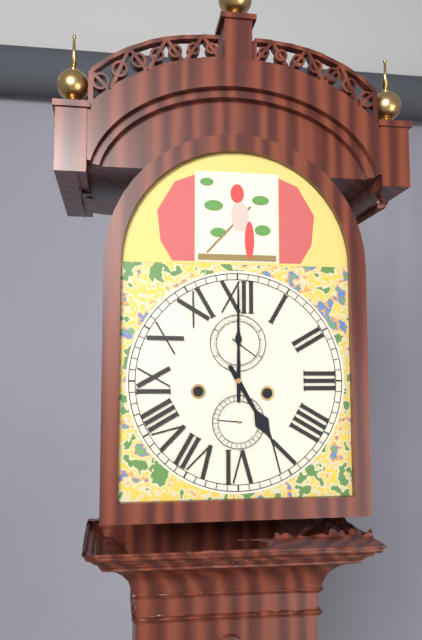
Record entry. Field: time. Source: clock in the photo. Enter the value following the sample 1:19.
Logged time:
5:00
